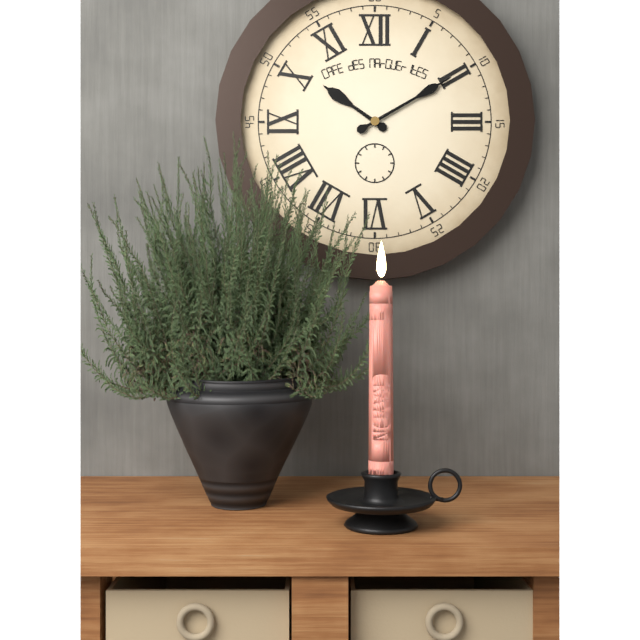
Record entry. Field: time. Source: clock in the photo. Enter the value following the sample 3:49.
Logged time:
10:10
